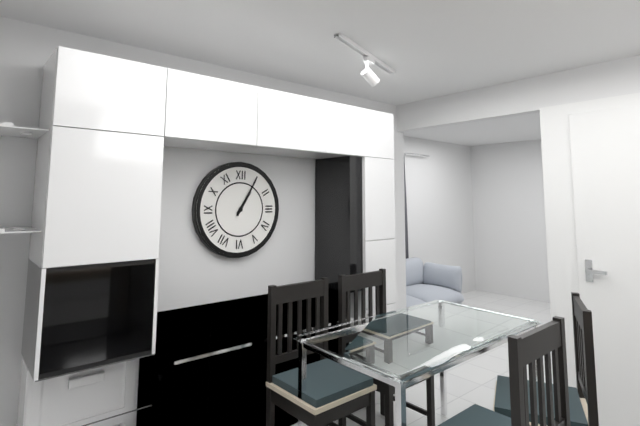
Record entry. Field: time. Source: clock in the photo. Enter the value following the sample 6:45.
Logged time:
1:05
